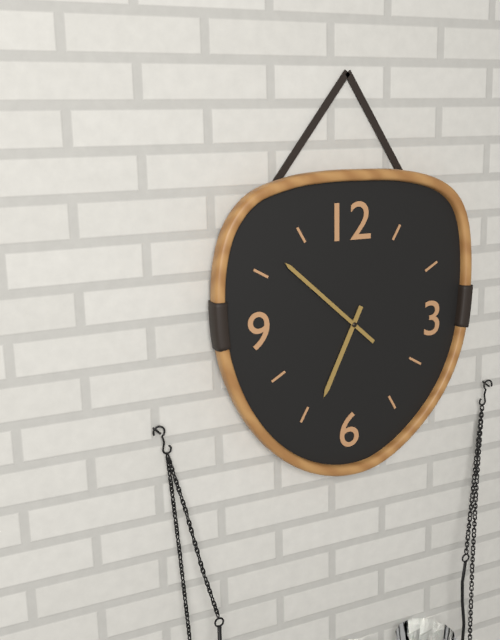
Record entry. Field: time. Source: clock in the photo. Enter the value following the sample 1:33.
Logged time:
6:52
